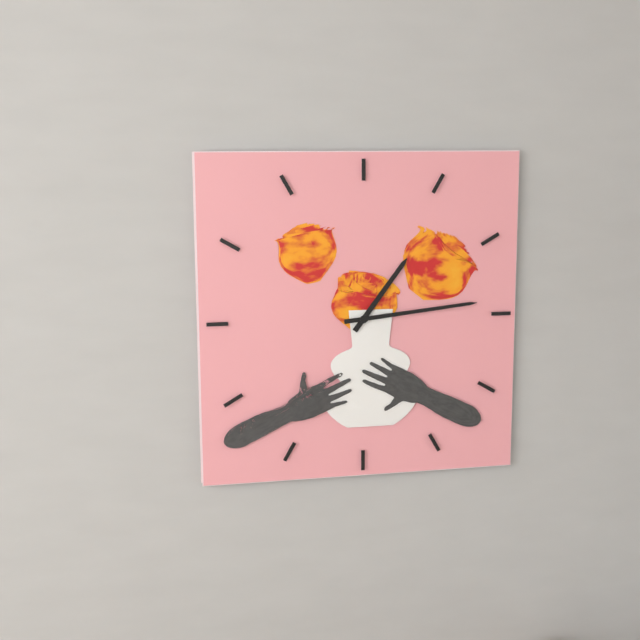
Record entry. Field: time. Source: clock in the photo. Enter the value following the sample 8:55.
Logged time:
1:14
